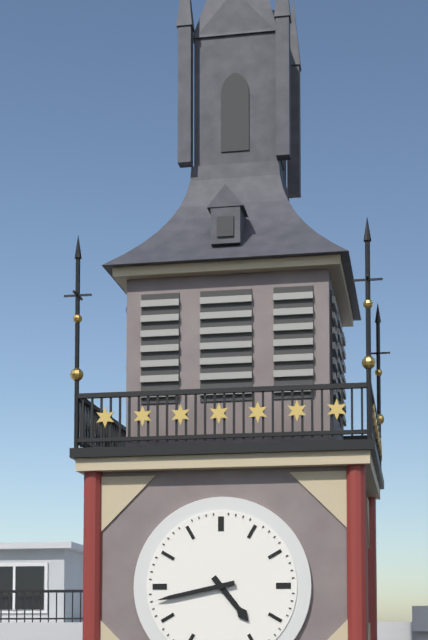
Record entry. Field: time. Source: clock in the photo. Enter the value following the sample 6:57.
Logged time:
4:43
